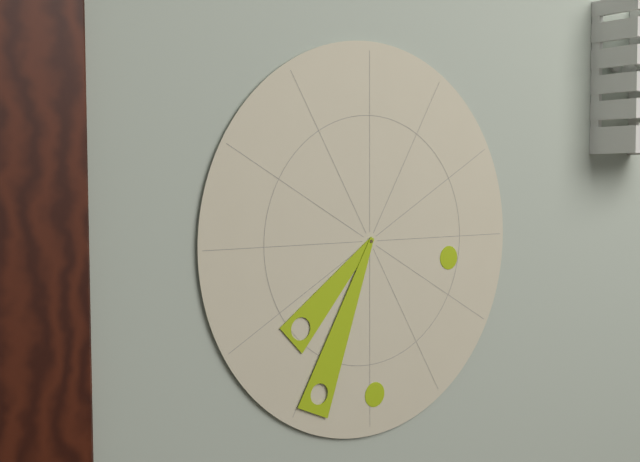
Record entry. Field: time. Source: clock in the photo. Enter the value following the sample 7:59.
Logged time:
7:34
